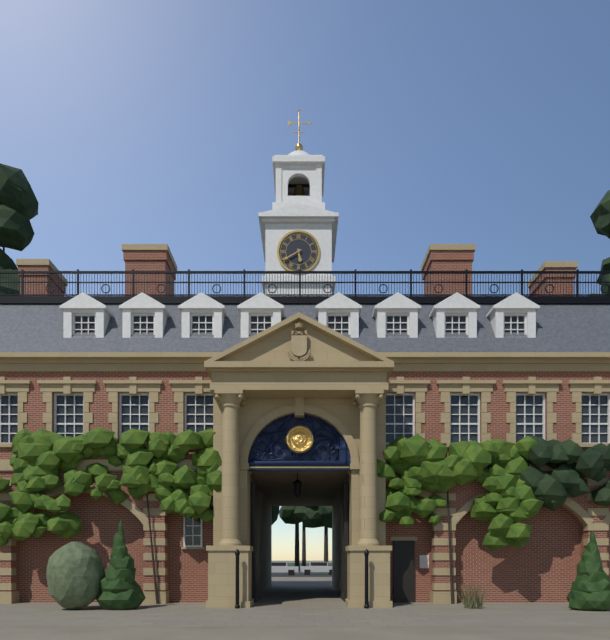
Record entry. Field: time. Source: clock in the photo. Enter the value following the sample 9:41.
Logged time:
5:40
